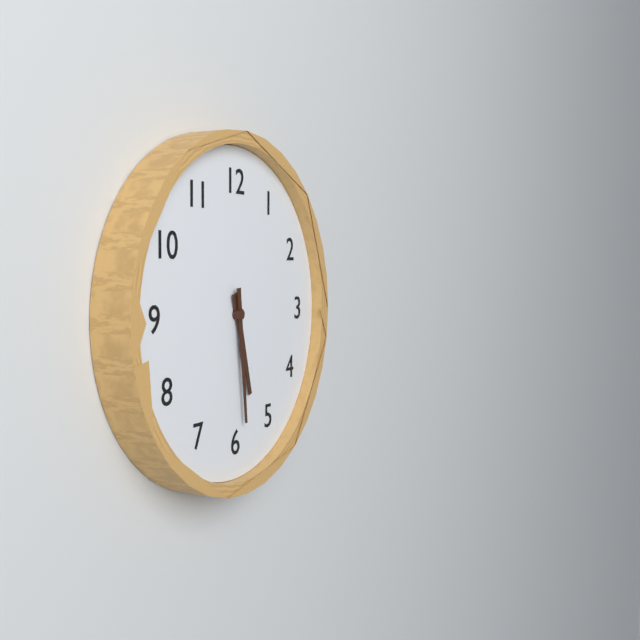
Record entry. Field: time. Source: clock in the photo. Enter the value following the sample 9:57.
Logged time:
5:29
